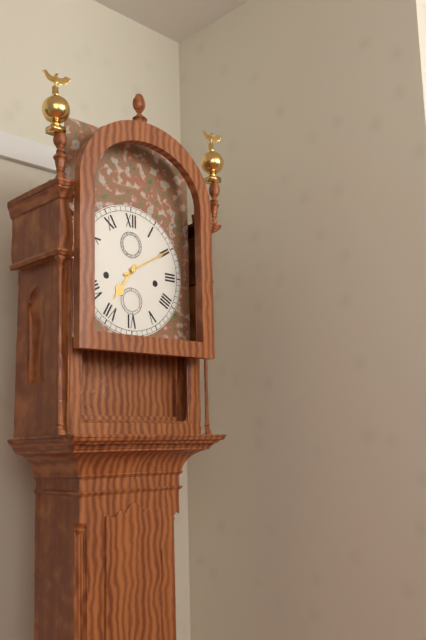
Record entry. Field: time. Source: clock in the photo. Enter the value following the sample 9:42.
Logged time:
7:10
